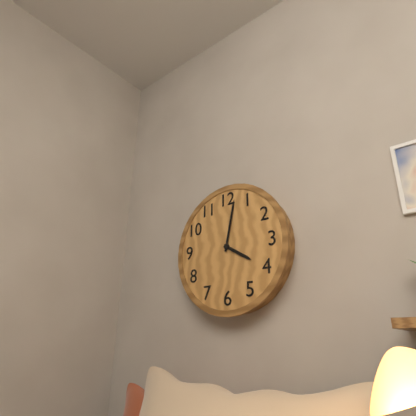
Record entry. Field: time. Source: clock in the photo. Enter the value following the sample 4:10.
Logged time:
4:02
